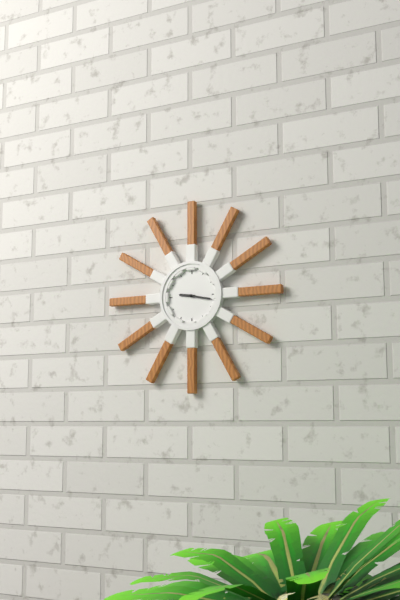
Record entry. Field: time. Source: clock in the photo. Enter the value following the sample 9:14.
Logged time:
9:17
